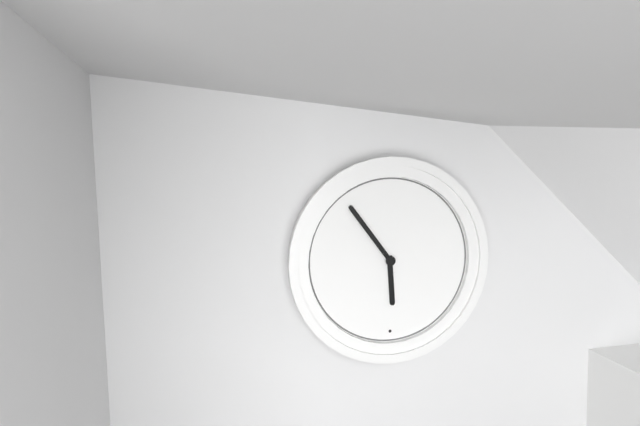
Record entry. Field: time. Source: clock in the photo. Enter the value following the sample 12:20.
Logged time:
5:54
